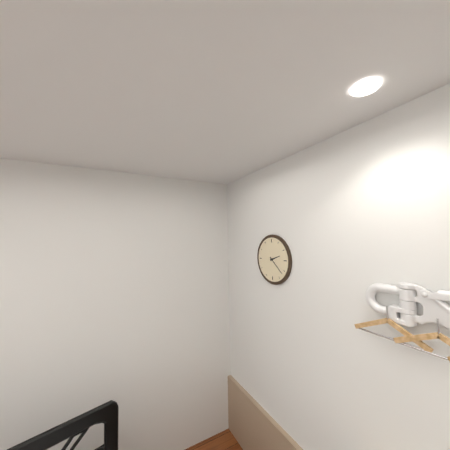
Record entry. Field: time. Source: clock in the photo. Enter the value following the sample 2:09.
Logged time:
2:22
